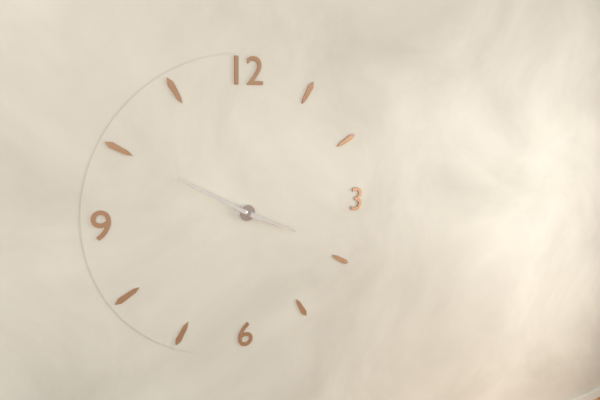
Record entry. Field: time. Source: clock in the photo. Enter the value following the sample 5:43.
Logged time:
3:50
